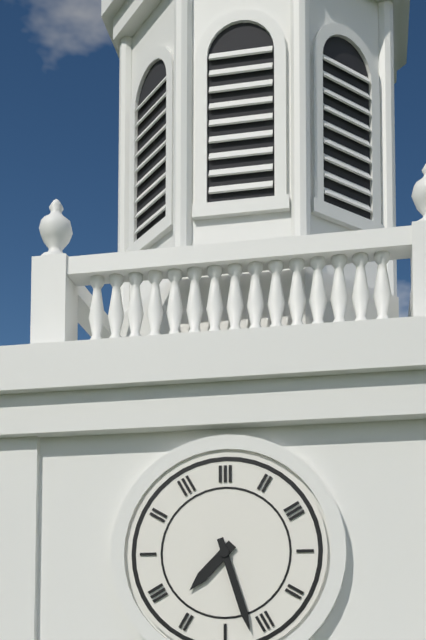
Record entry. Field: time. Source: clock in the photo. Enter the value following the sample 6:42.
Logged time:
7:27
